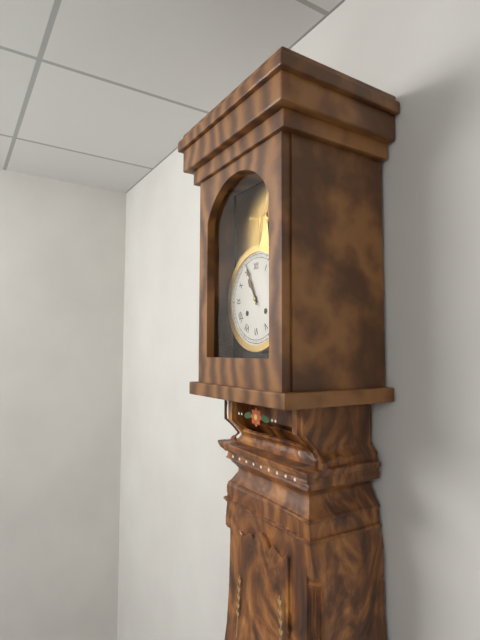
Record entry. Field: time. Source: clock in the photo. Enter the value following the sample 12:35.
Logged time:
10:56
